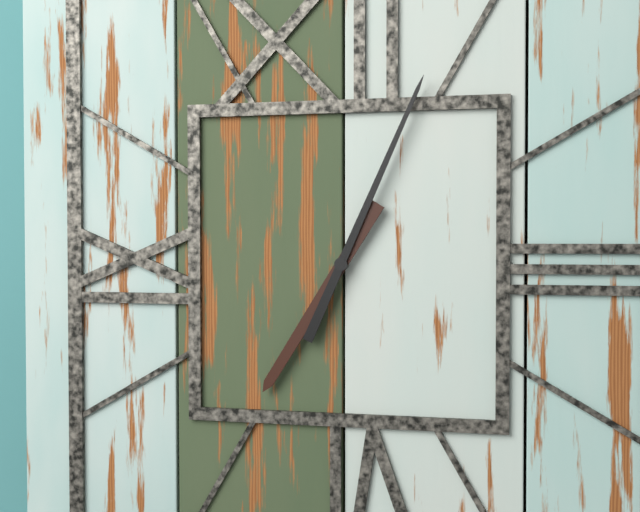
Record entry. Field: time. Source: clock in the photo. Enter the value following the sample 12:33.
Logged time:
7:04
